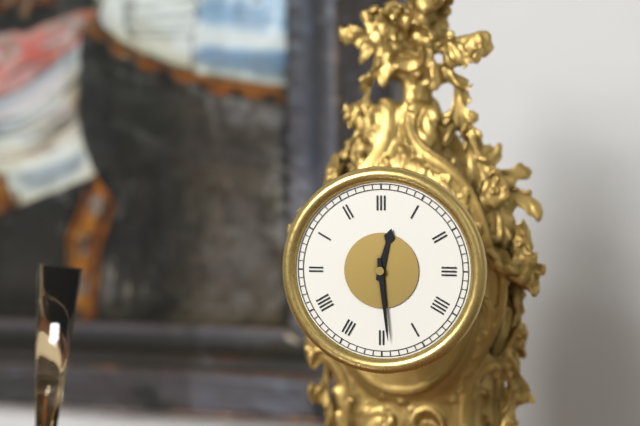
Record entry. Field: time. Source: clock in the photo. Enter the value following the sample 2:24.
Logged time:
12:29
